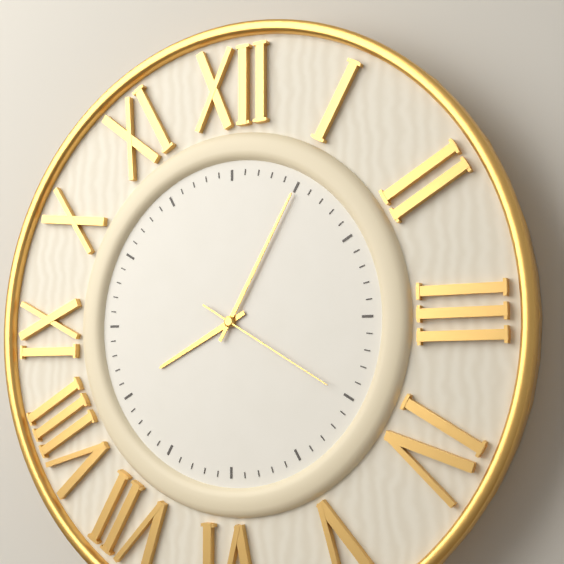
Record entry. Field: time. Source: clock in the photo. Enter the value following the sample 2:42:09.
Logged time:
8:05:20
